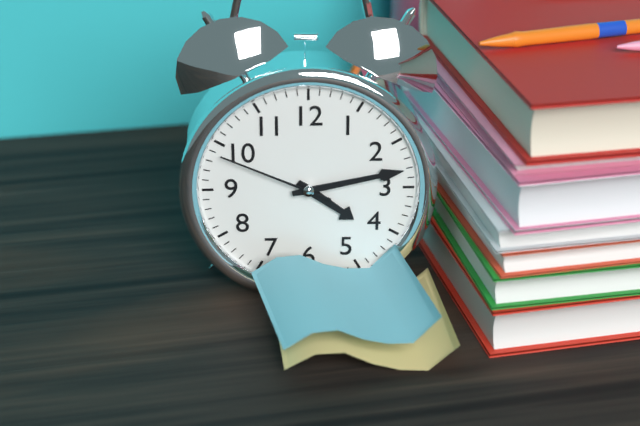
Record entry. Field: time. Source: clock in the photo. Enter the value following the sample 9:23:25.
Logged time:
4:13:49
